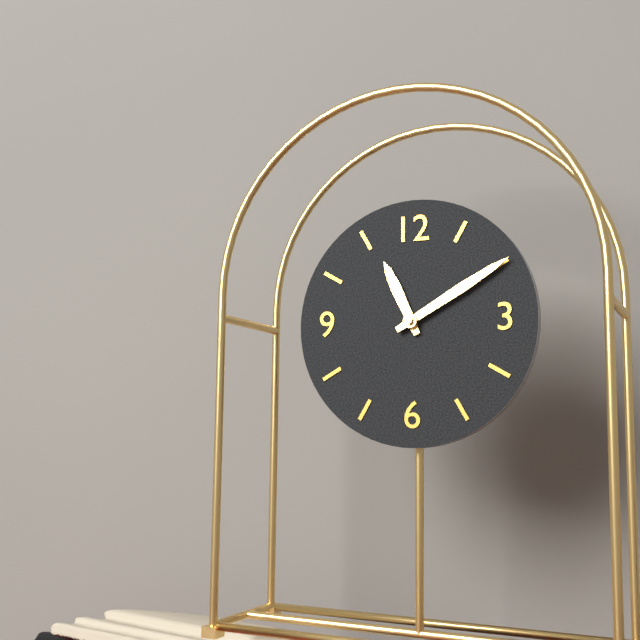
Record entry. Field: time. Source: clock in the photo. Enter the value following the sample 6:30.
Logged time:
11:10
